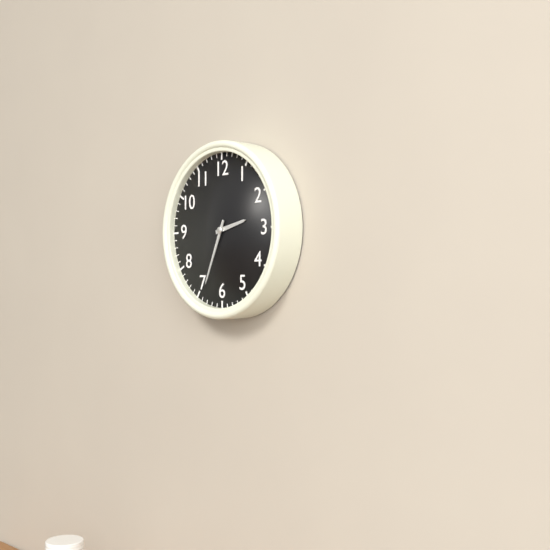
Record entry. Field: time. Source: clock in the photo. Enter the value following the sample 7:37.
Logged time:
2:34
